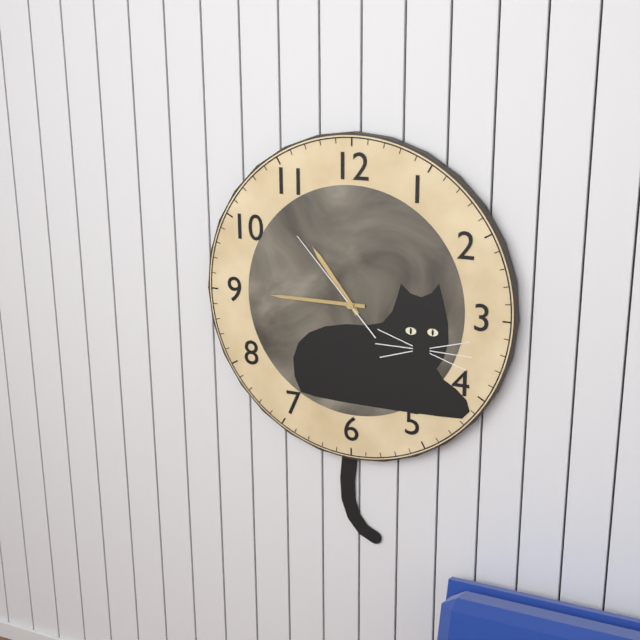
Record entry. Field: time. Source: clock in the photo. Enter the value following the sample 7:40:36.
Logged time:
10:45:53
